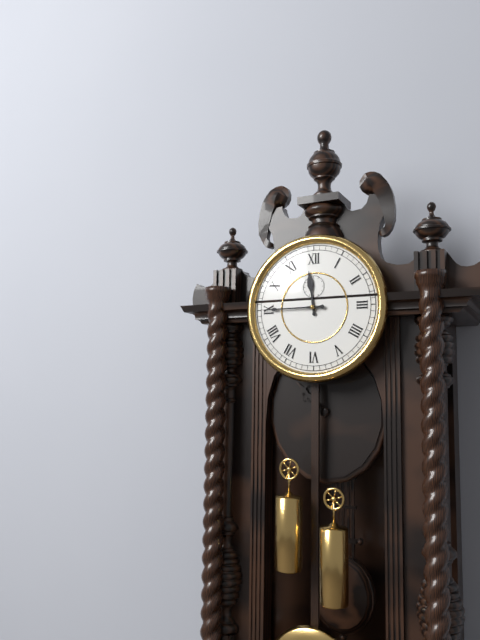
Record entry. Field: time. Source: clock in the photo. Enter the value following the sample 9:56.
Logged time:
11:45
